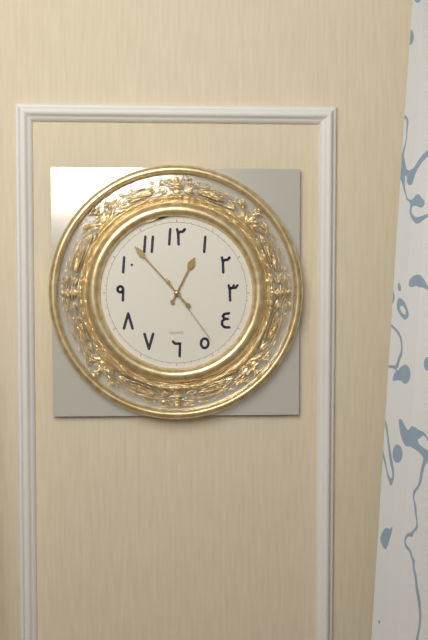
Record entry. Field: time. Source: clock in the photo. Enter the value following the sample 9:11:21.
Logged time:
12:53:24
